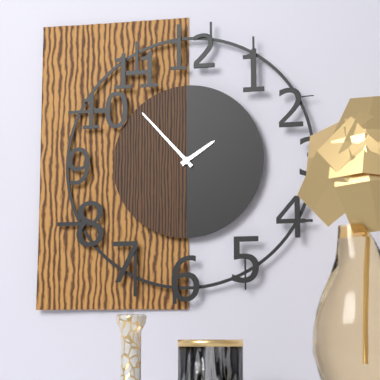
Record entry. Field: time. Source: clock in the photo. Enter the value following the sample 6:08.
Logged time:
1:53
